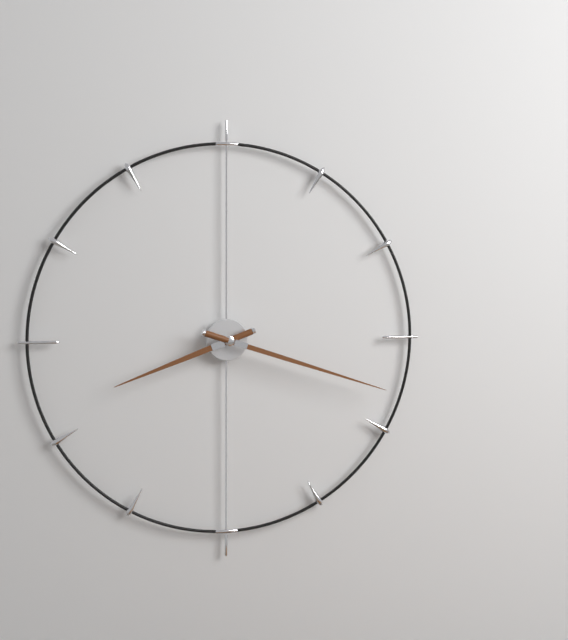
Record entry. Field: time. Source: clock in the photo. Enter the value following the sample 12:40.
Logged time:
8:18
